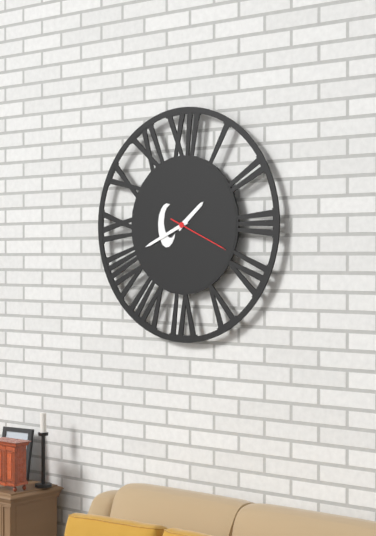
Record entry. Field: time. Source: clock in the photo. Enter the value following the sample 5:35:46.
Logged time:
1:41:19
